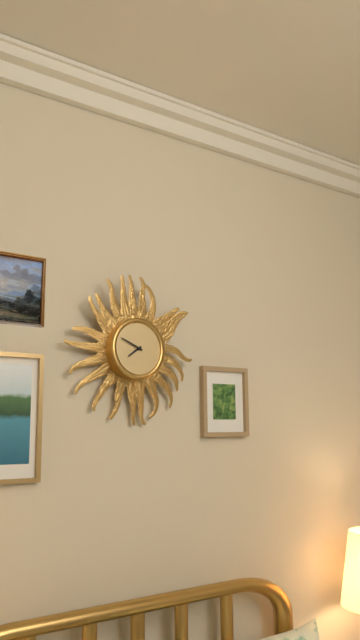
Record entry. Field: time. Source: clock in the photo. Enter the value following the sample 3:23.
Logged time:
7:49
